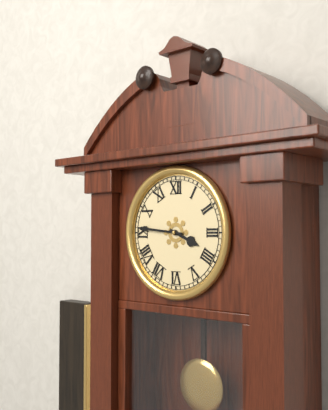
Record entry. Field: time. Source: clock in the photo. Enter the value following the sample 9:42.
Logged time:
3:46
